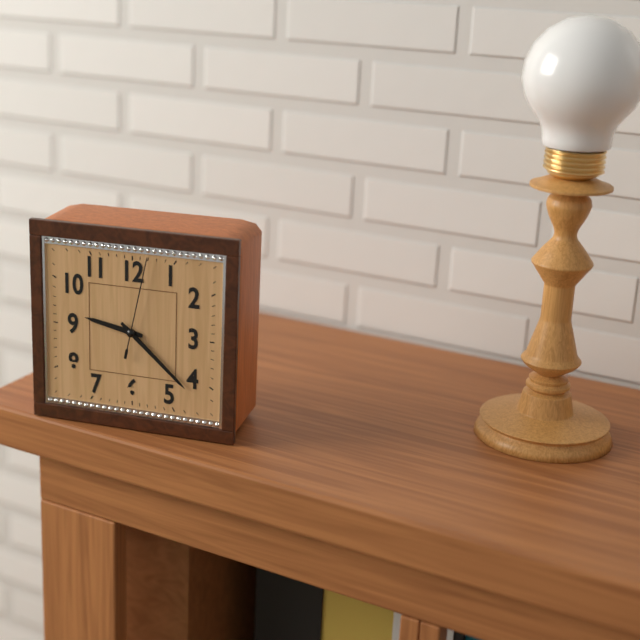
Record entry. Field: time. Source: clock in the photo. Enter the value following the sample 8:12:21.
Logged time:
9:22:02
